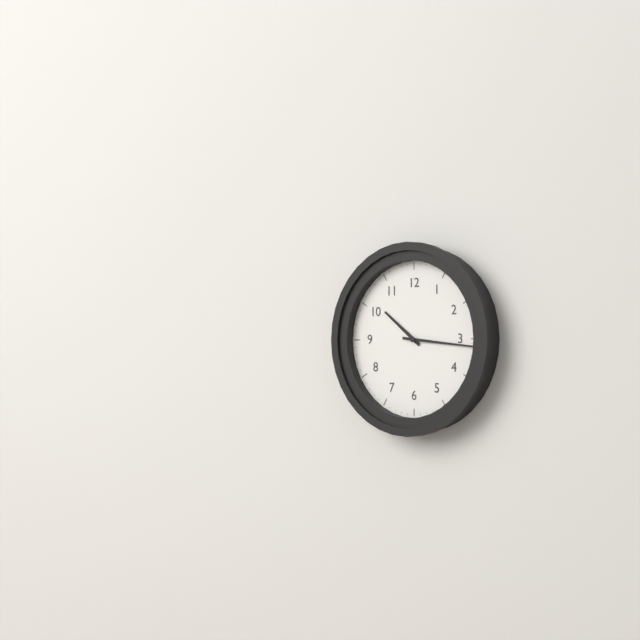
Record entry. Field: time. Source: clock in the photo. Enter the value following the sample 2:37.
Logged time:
10:16
